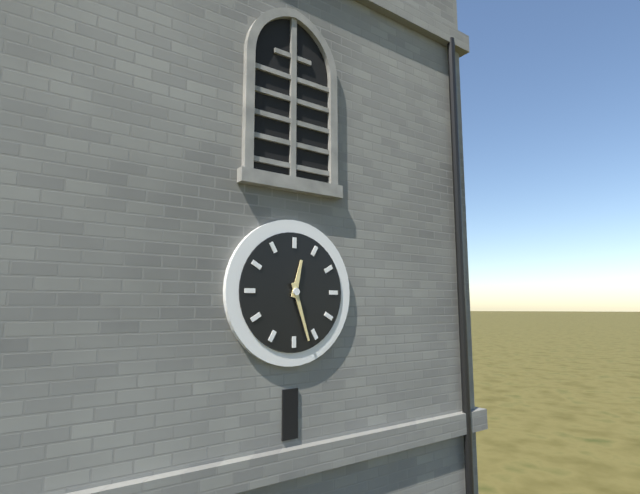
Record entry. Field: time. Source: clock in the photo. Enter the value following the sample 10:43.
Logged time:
12:27
